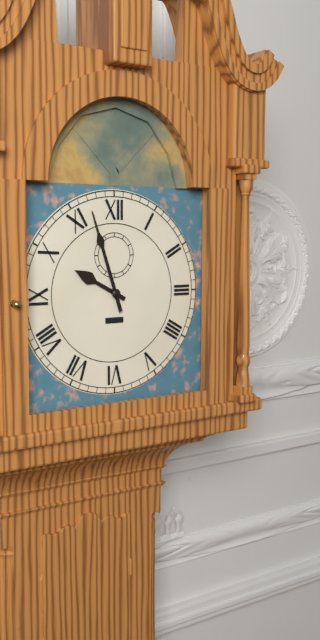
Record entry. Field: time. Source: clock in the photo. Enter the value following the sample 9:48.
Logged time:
9:57
